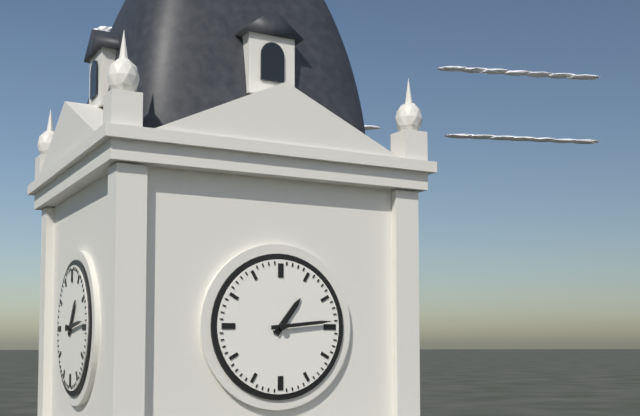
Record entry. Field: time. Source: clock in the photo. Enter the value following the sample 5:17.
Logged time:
1:14
